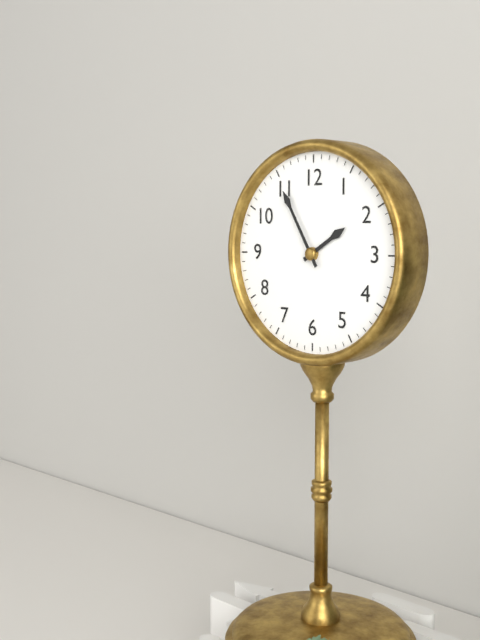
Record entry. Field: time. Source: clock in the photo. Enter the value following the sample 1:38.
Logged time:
1:55
